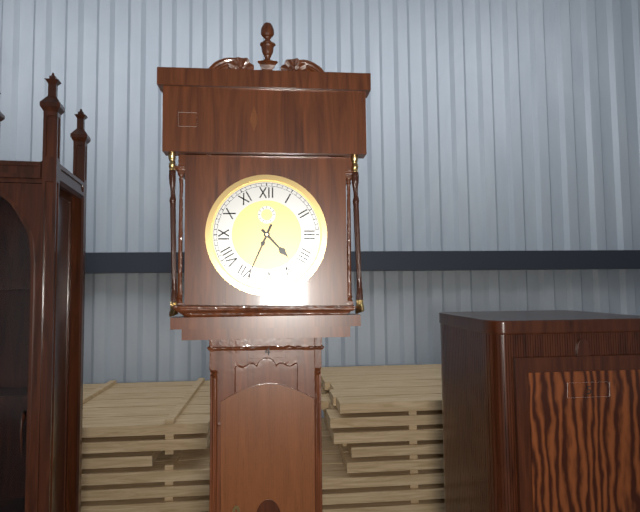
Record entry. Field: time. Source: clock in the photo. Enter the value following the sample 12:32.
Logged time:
4:34
